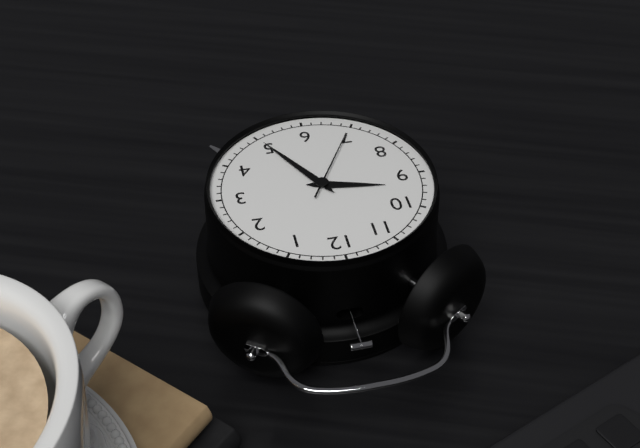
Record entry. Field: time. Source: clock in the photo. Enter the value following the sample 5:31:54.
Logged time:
9:25:35
